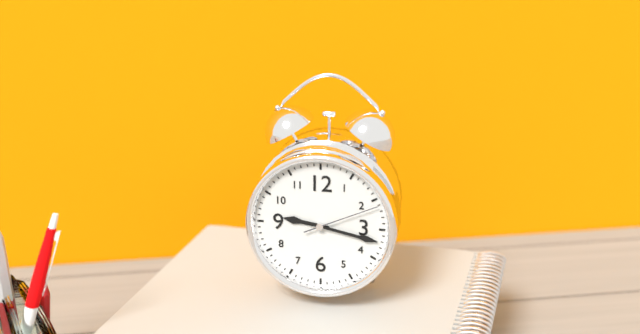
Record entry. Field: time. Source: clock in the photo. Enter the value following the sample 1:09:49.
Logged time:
9:17:11
